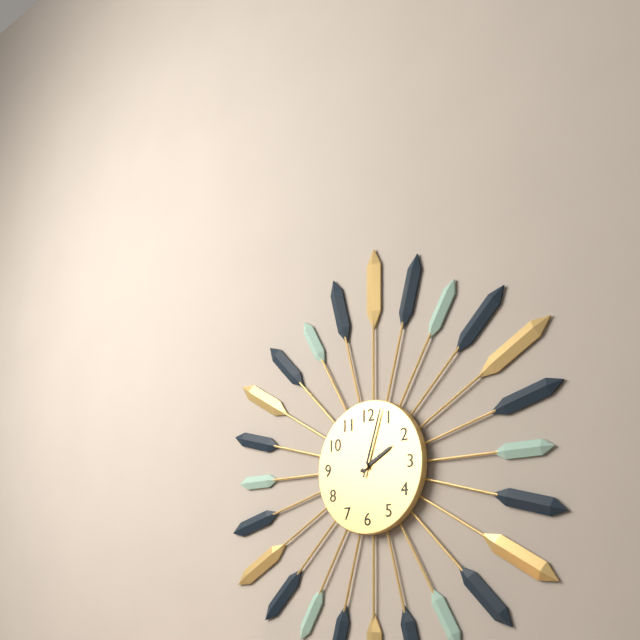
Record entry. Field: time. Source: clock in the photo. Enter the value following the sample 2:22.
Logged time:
2:03
